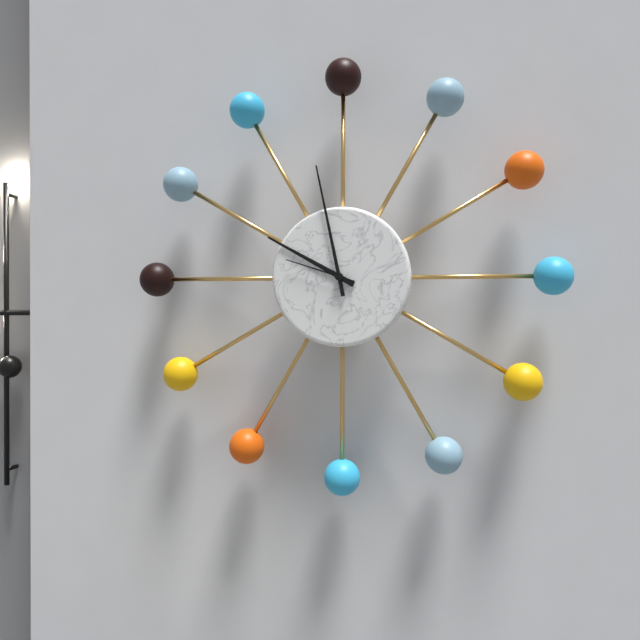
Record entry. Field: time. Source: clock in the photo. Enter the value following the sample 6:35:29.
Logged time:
9:58:48
